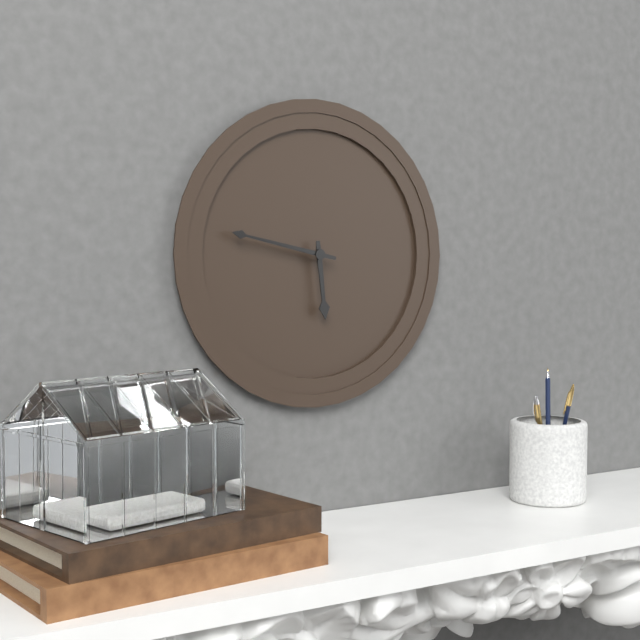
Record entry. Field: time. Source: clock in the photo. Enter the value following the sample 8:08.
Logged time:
5:47
